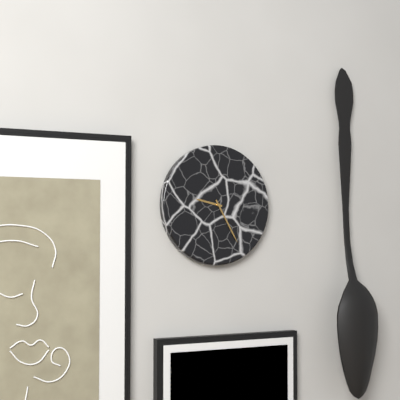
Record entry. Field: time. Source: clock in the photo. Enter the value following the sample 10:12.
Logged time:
9:25
